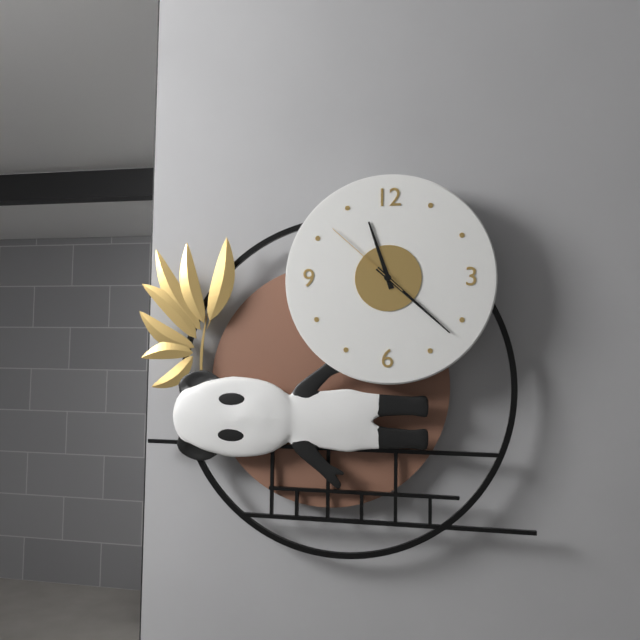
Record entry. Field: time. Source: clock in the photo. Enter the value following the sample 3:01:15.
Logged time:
11:22:52
